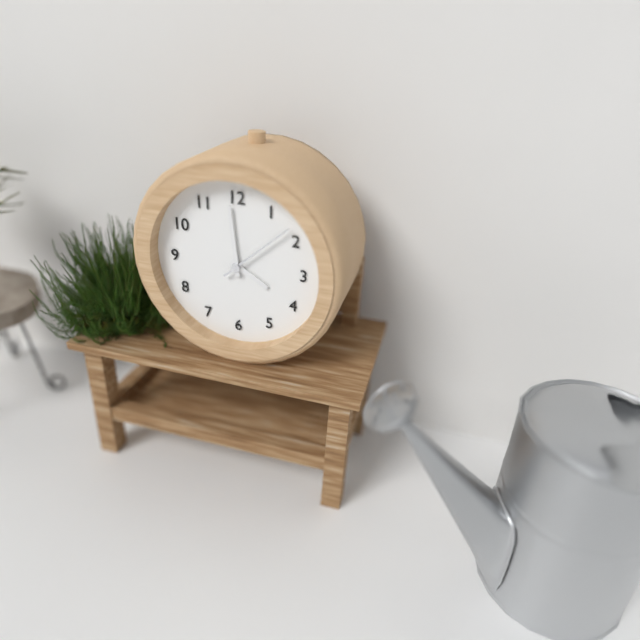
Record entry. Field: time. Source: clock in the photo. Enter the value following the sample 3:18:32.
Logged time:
3:59:08
